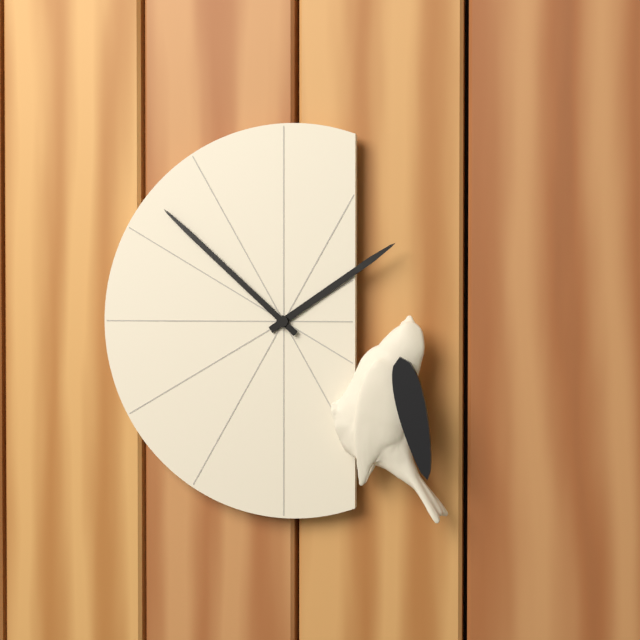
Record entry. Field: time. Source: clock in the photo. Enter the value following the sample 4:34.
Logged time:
1:52
